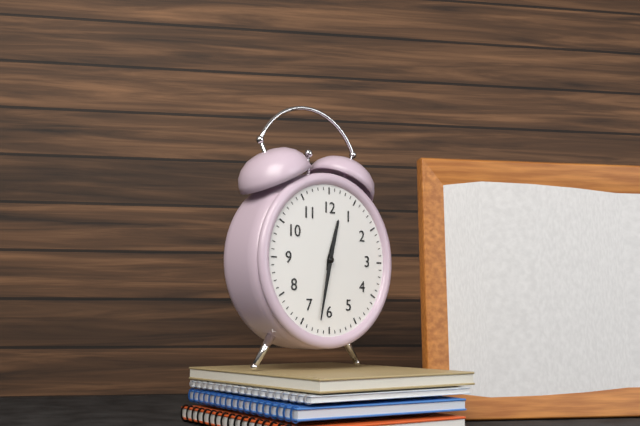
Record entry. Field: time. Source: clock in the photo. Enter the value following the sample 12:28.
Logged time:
12:32
